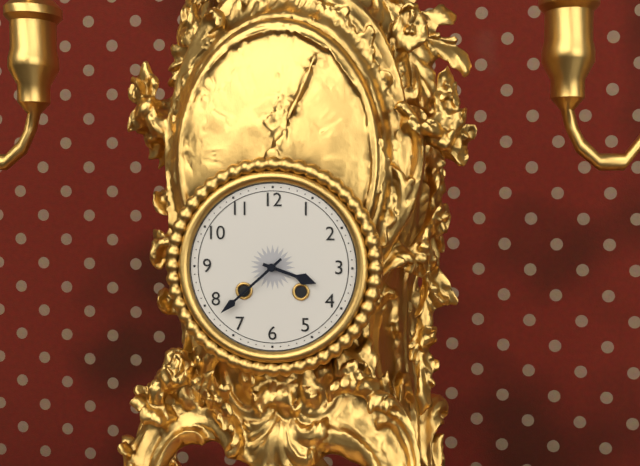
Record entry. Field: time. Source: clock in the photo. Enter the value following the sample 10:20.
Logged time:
3:38
